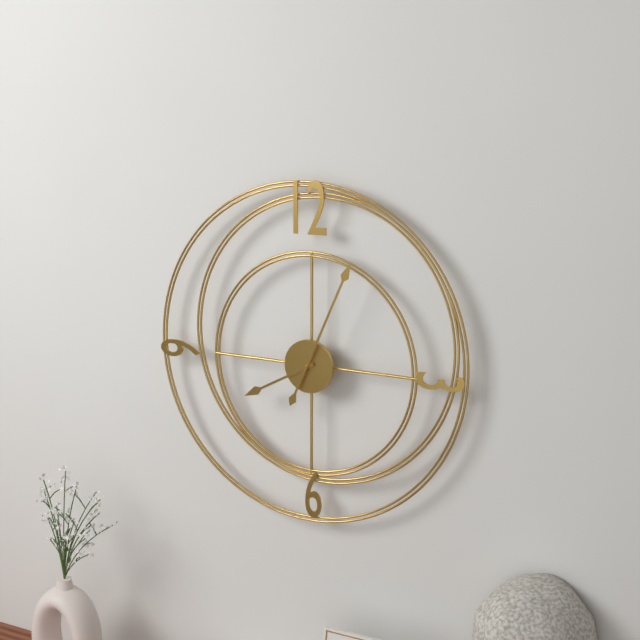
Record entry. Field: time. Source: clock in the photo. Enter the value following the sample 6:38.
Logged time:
8:04
